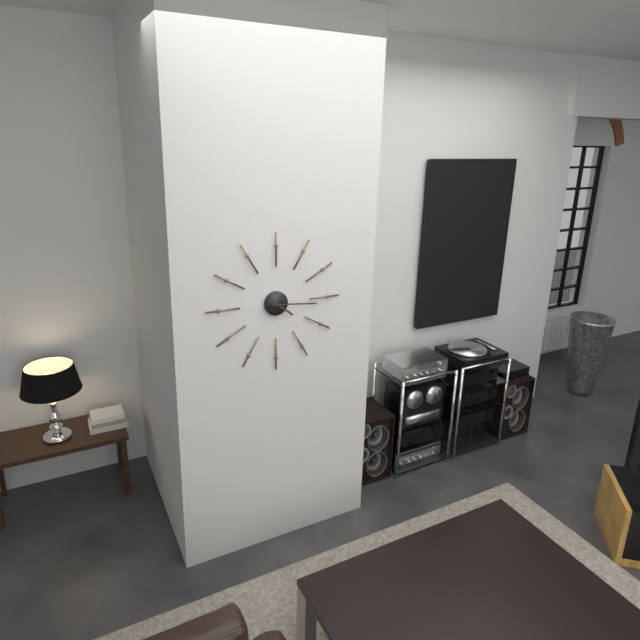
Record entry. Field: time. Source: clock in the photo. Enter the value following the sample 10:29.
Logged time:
4:16
